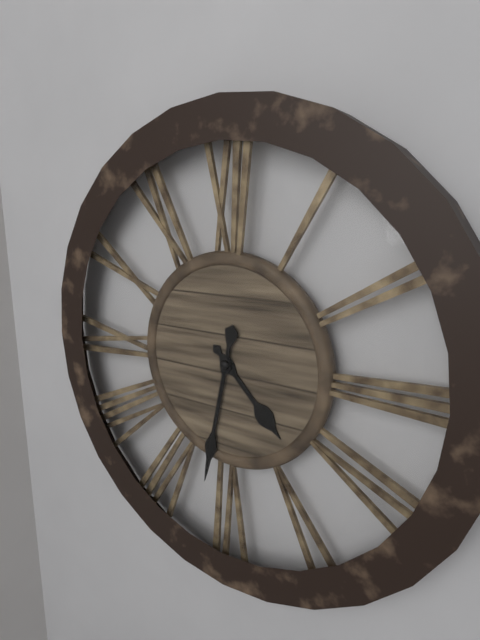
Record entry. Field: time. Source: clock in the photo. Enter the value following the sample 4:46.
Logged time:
4:32
